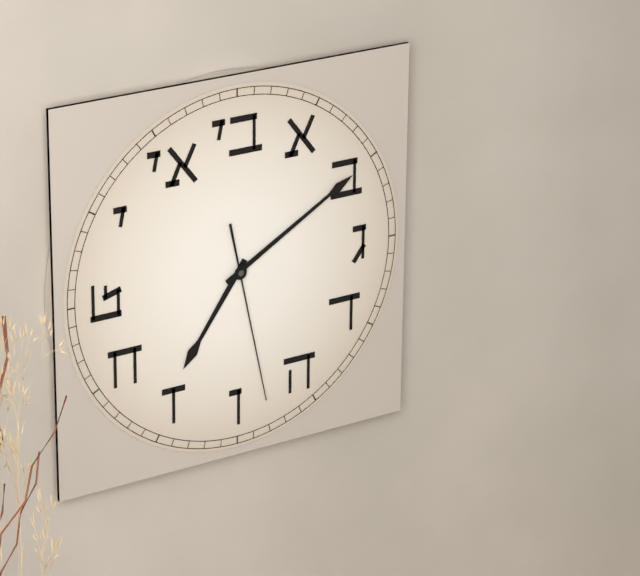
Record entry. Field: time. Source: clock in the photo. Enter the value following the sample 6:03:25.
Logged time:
7:10:28
